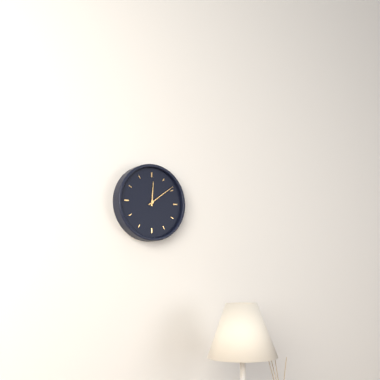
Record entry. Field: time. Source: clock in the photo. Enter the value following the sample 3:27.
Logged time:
12:09
